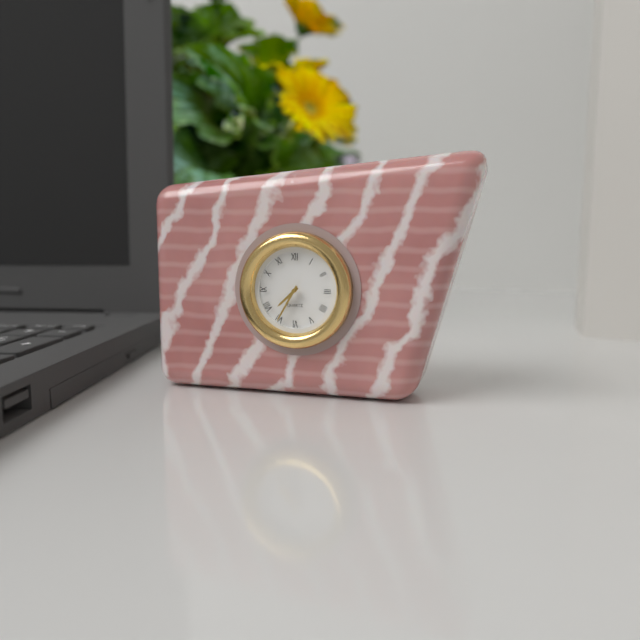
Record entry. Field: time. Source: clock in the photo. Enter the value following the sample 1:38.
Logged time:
7:35
